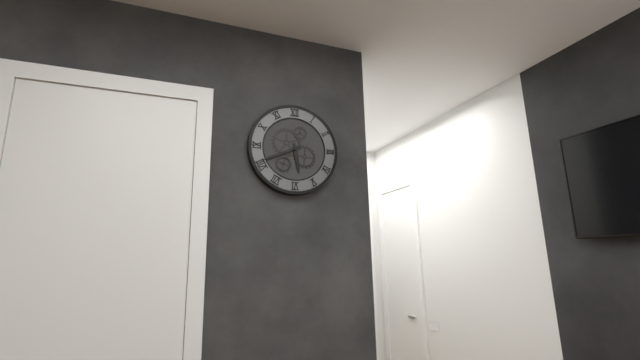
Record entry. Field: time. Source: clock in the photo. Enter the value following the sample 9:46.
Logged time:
5:41
